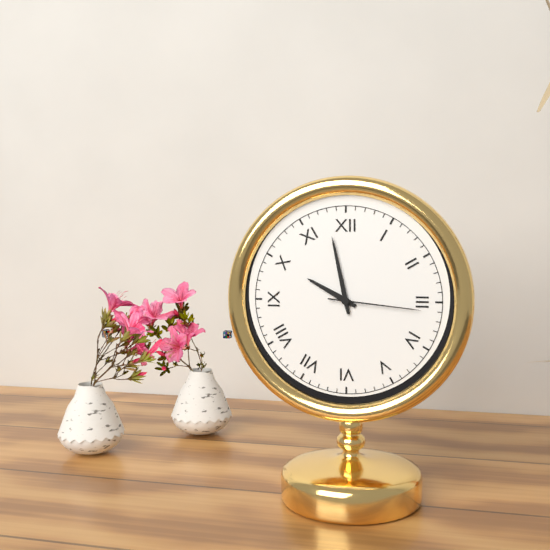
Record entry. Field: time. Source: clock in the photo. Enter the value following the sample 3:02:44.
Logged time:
9:58:16
